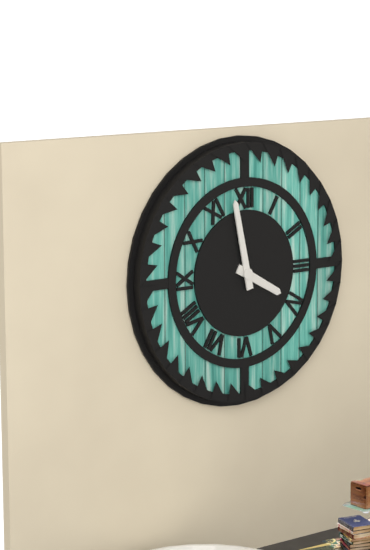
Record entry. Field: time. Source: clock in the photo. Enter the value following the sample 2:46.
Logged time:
3:58
